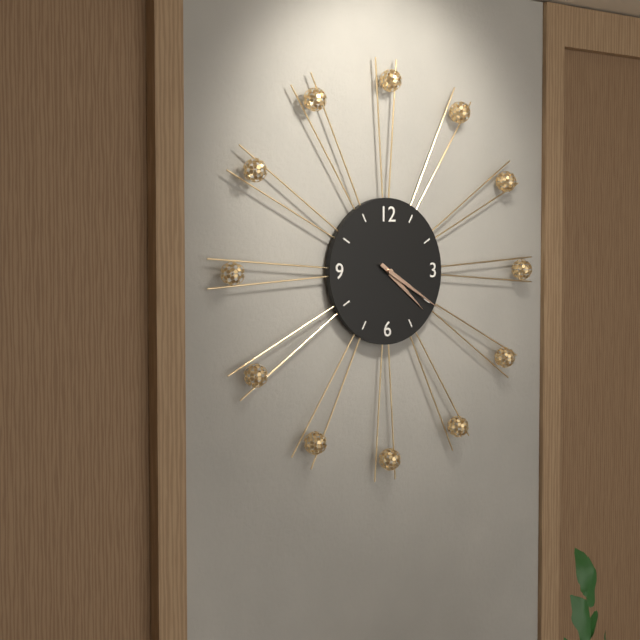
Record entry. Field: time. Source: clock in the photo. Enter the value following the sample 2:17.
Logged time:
4:20
